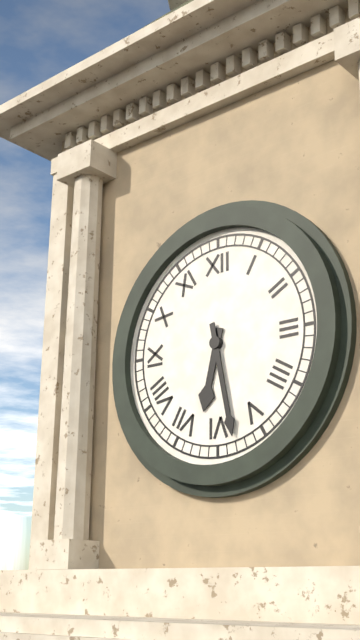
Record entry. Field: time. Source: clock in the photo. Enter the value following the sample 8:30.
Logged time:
6:28
